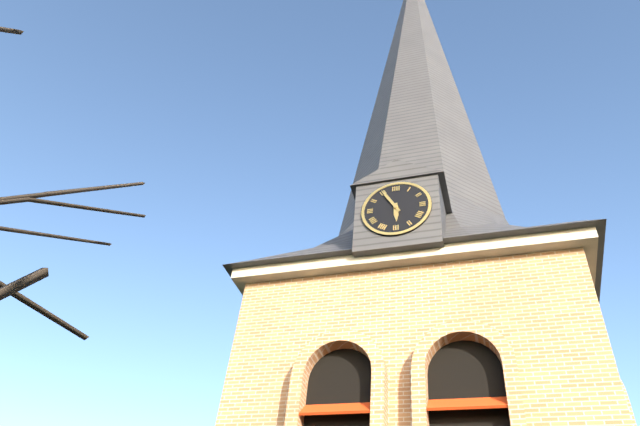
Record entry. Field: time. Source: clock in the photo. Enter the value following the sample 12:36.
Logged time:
5:55
